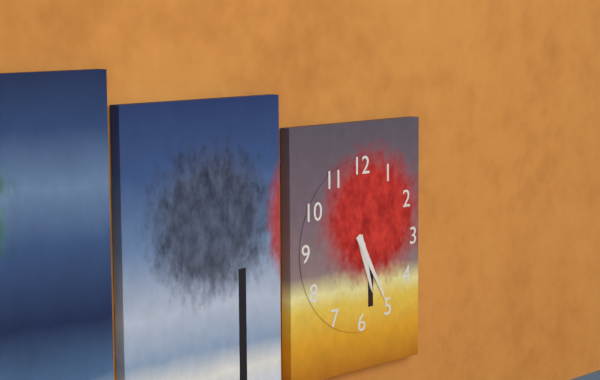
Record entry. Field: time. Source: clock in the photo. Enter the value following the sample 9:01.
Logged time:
5:25
